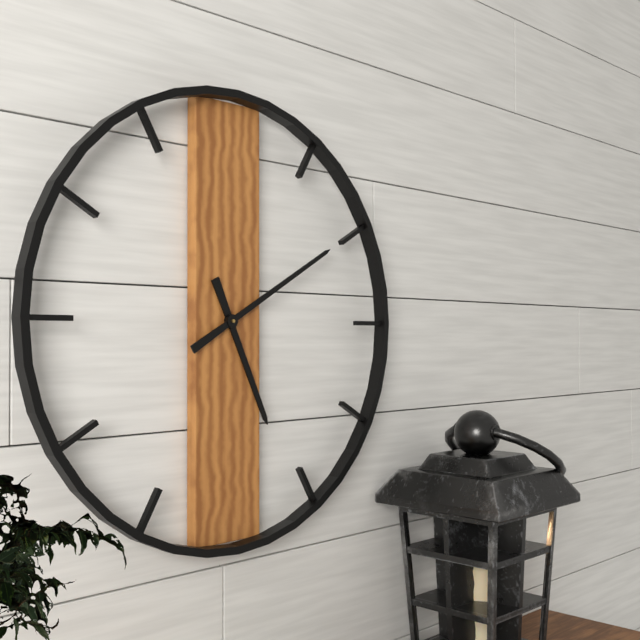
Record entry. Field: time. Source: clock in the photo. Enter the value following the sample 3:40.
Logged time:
5:10
